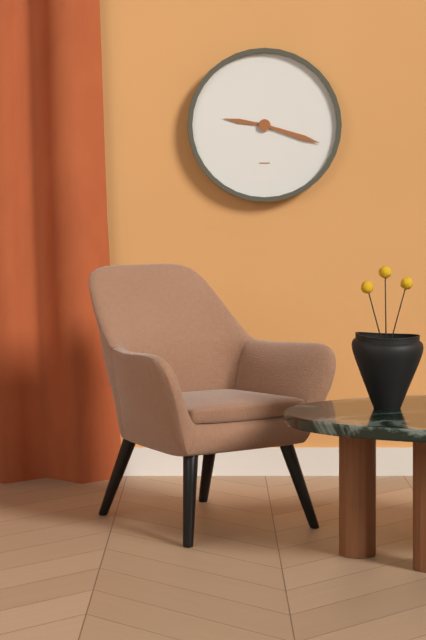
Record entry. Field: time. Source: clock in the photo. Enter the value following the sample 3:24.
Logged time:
9:18
